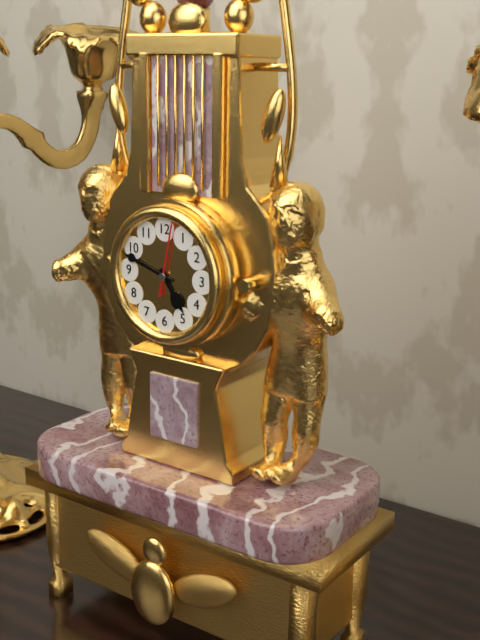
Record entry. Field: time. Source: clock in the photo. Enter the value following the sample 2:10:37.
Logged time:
4:48:02
